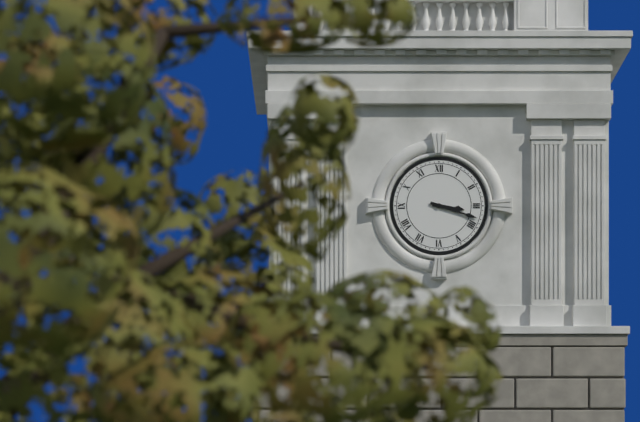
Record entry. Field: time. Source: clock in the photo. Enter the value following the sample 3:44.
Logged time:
3:18
